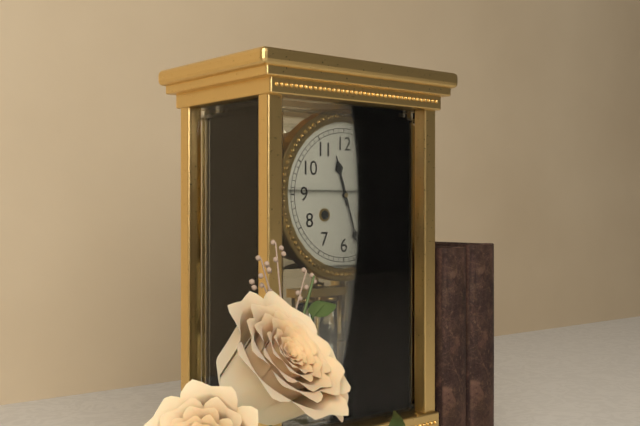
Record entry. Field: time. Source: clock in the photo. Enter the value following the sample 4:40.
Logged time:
11:27
